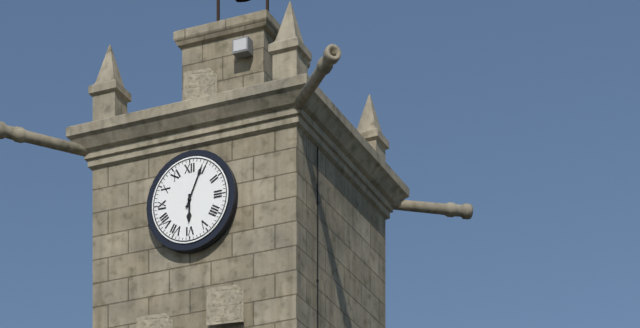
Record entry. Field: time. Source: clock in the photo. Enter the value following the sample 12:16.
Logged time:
6:04
